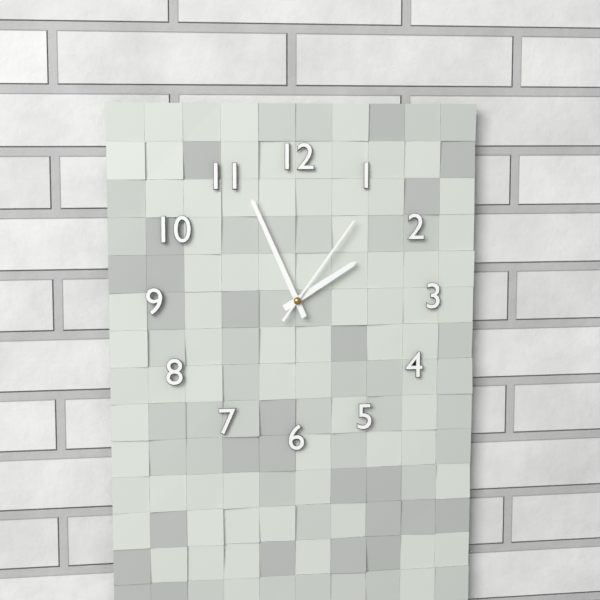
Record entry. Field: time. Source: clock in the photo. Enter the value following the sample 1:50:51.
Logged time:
1:56:06
